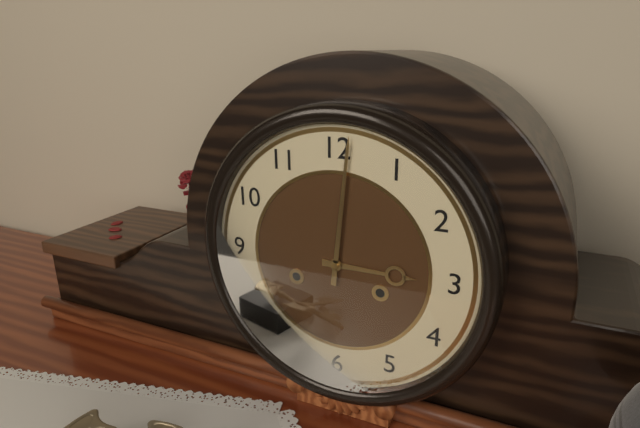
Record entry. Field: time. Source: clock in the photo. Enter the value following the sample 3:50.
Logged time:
3:01
